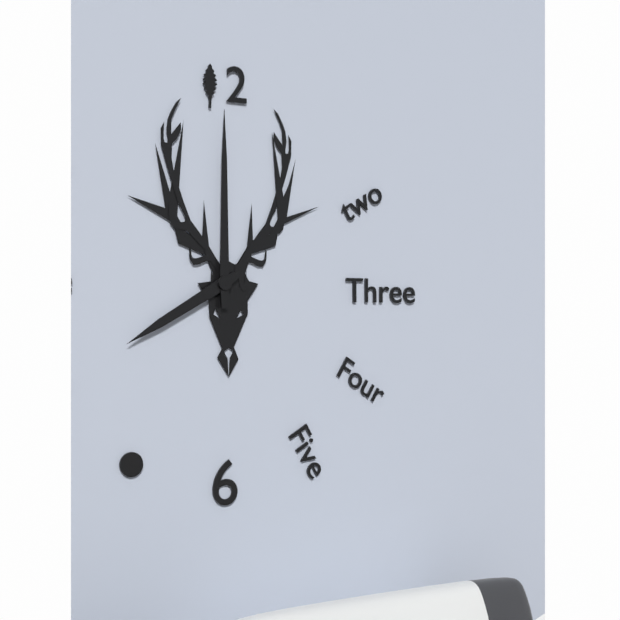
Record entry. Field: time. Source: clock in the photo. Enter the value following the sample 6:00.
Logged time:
8:00
